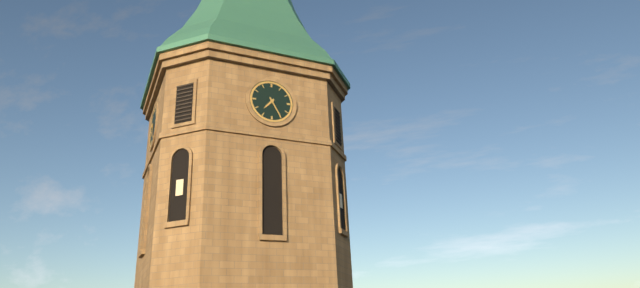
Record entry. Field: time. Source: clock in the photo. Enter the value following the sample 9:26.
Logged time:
7:25
